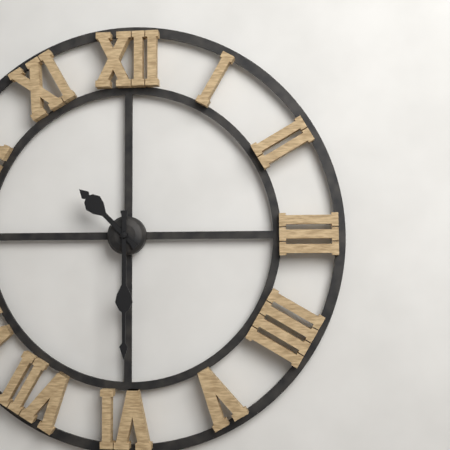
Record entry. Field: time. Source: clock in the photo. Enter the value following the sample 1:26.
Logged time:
10:30
